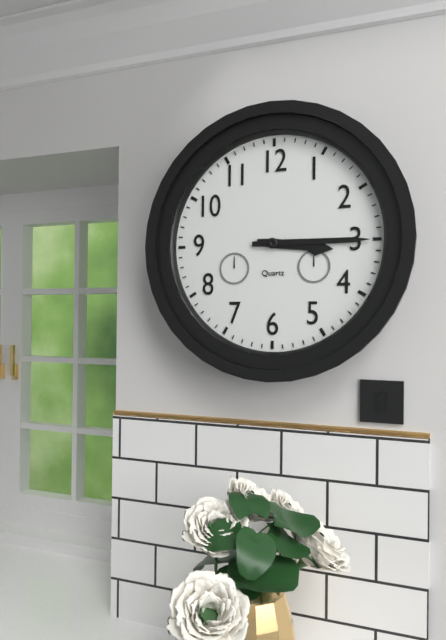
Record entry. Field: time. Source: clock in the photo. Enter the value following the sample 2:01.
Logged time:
3:15
